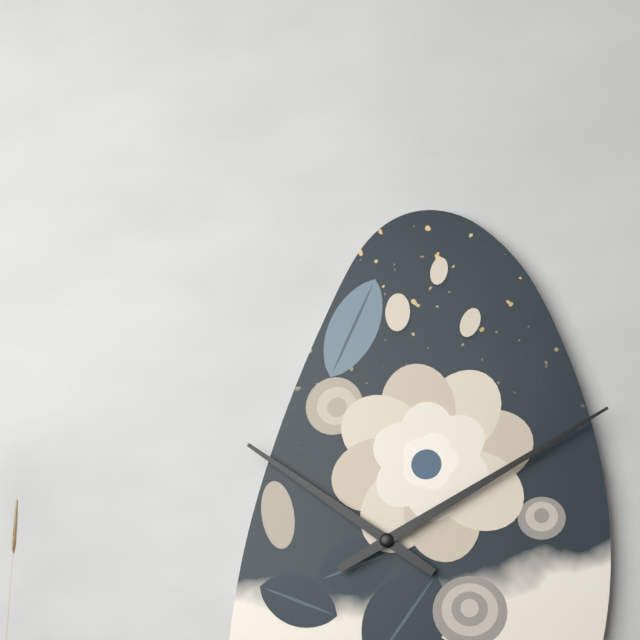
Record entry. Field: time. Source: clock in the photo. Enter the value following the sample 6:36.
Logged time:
10:10
